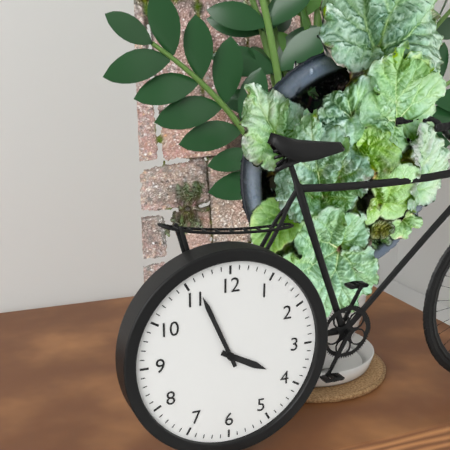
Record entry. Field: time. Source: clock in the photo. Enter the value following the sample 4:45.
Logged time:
3:56
